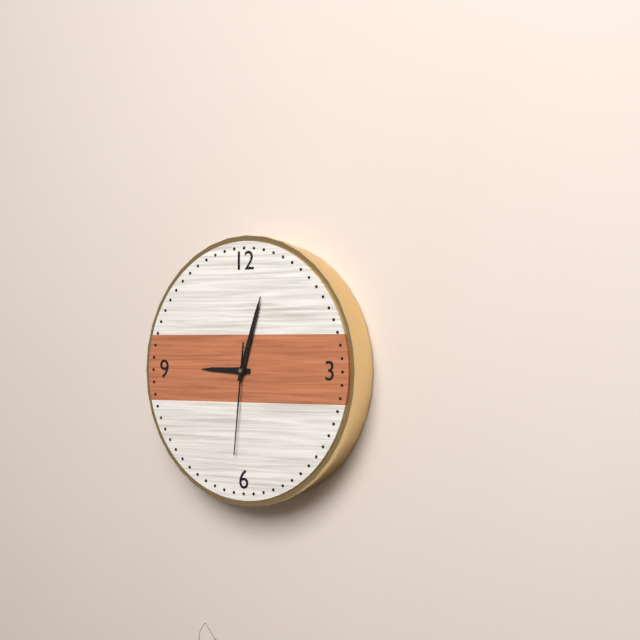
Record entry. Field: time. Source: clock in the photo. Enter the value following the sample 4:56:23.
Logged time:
9:03:31
